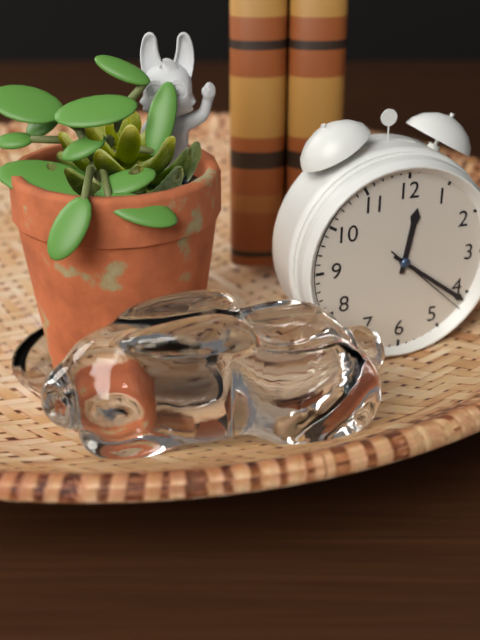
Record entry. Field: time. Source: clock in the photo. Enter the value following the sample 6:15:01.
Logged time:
12:21:22
